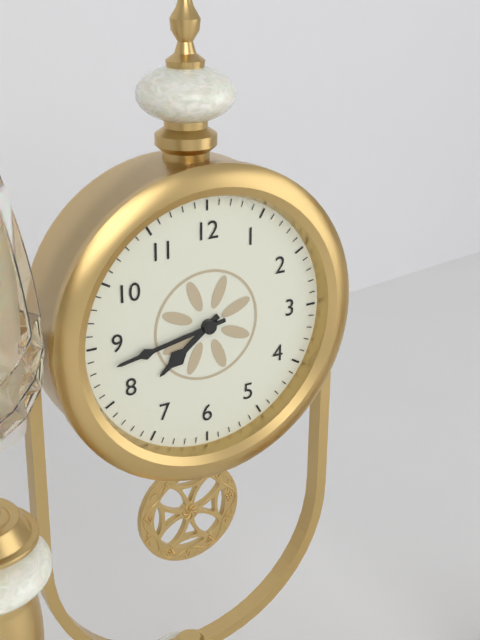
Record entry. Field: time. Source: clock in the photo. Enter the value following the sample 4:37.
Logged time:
7:43
